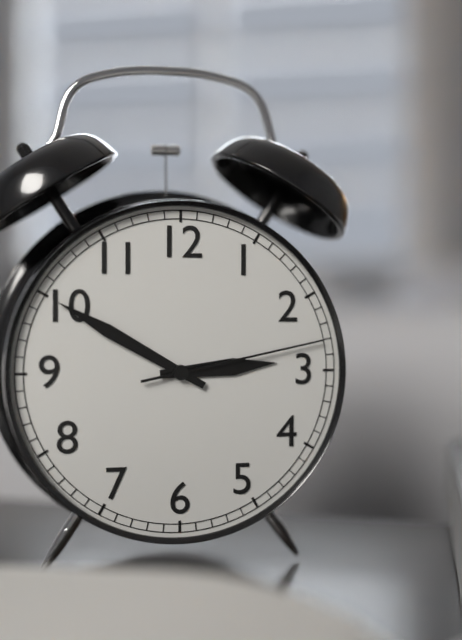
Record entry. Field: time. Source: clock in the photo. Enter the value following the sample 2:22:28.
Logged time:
2:50:13
